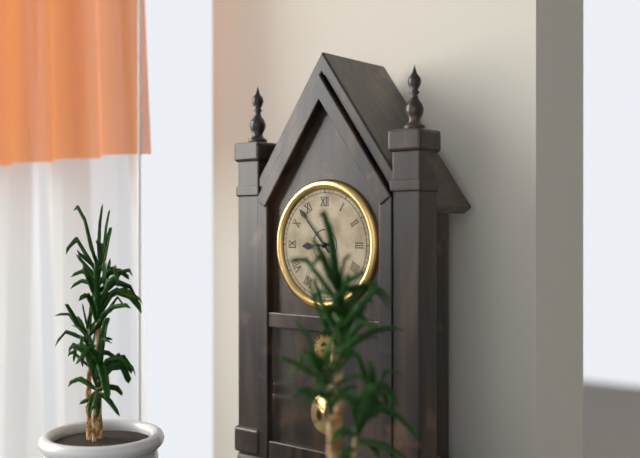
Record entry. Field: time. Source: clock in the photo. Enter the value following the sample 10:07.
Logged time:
8:53
